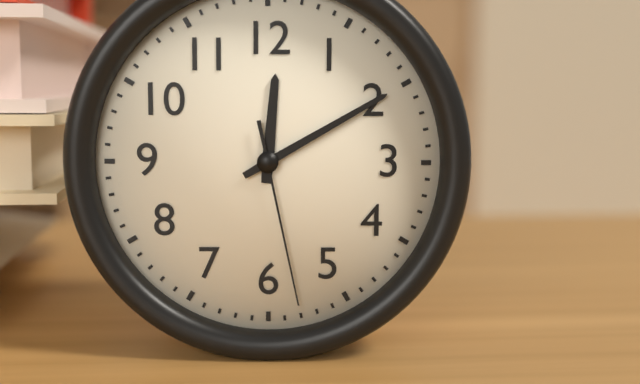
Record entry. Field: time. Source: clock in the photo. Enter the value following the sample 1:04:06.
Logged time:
12:10:28
